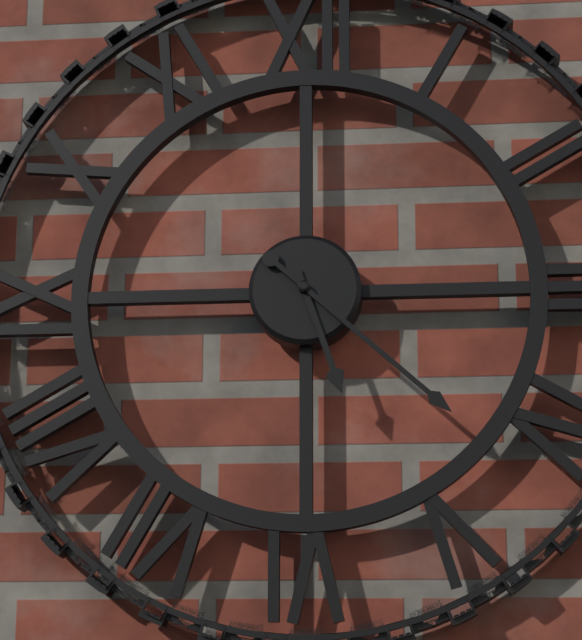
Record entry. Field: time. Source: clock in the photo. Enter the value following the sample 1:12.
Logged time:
5:22
